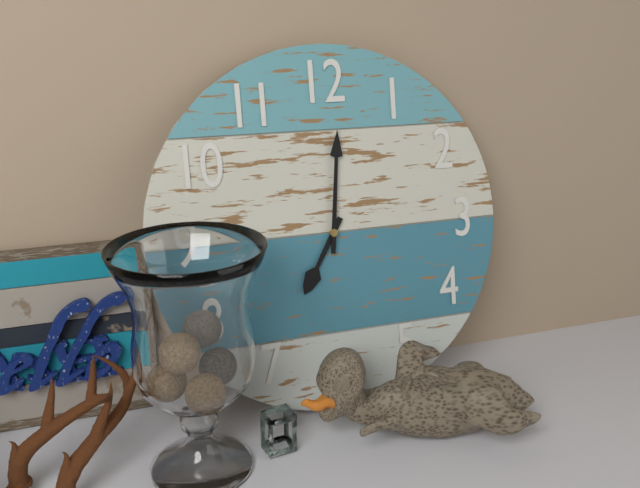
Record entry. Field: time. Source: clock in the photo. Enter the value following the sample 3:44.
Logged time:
7:01
